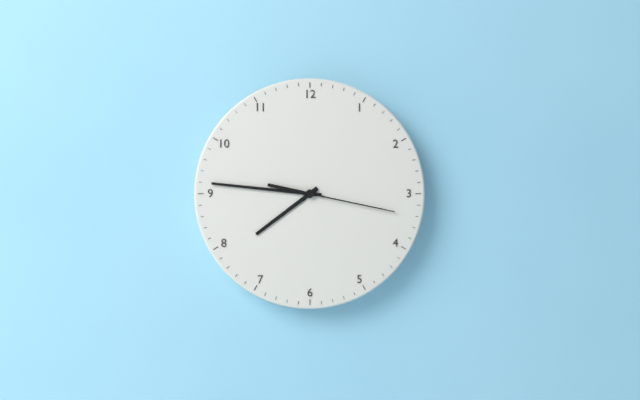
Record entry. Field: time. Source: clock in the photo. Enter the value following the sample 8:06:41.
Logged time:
7:46:17
